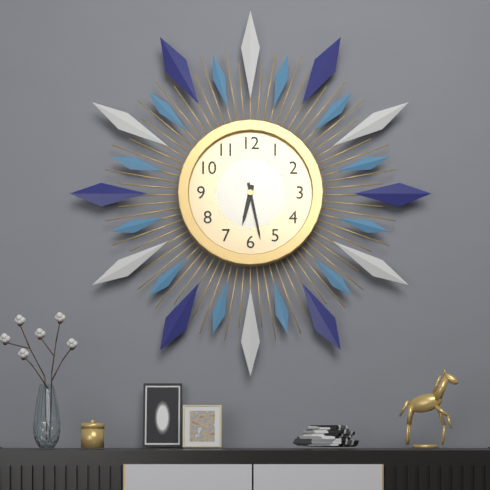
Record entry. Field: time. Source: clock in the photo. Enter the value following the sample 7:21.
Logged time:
6:28
